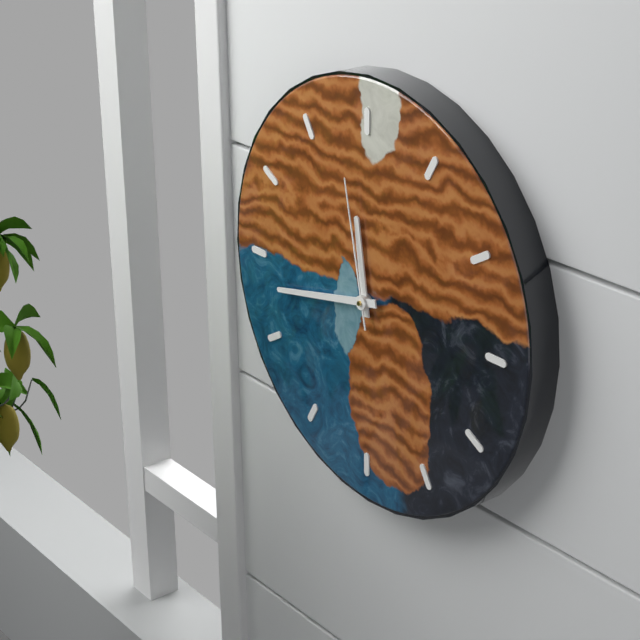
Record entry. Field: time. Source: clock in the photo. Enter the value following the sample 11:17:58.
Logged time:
11:43:58
